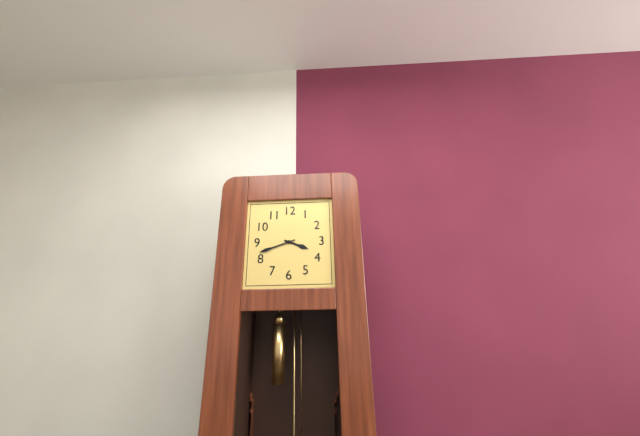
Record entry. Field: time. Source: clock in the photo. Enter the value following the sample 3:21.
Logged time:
3:42
